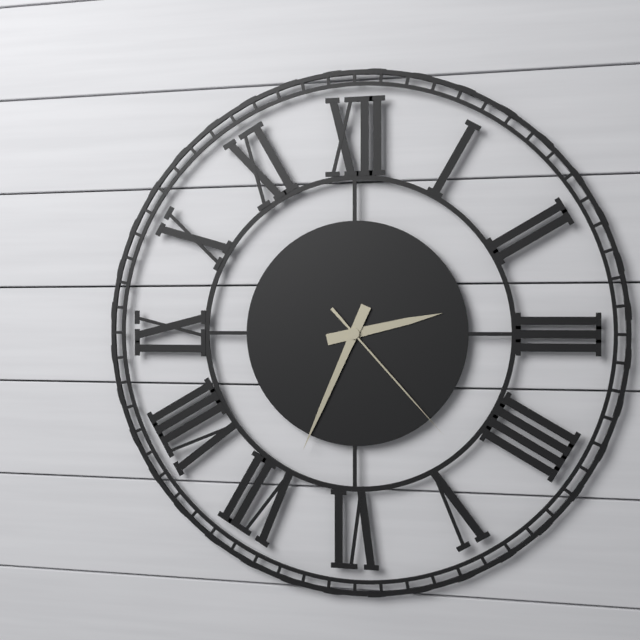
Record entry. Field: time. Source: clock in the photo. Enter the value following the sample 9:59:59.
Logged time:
2:34:23
